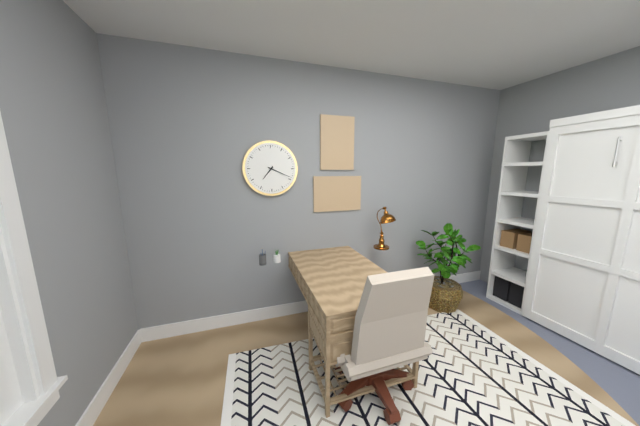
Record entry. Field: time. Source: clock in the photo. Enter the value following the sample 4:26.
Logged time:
7:19
